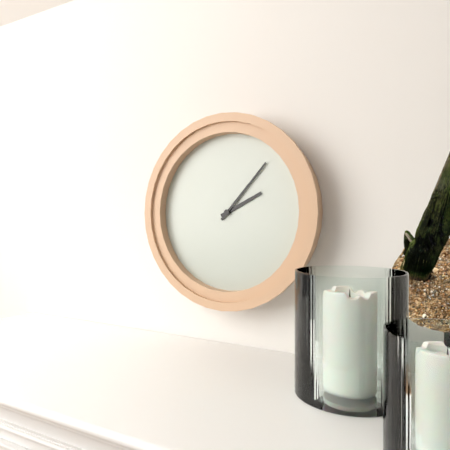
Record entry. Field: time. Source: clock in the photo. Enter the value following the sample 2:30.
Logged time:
2:07
